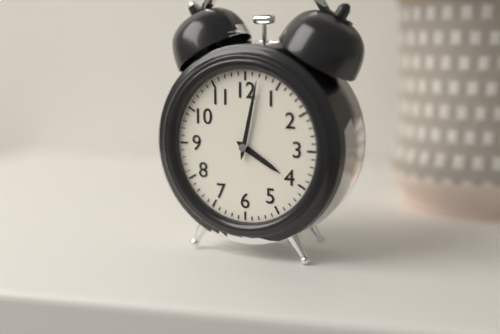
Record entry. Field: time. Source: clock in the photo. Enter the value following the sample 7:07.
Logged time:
4:02
